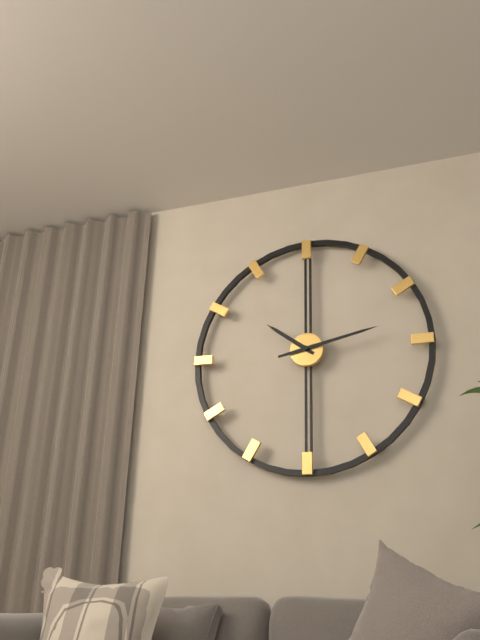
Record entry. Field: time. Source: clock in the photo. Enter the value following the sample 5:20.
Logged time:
10:13
